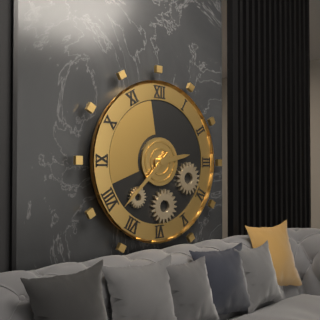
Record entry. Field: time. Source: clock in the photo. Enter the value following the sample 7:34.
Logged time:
2:38
